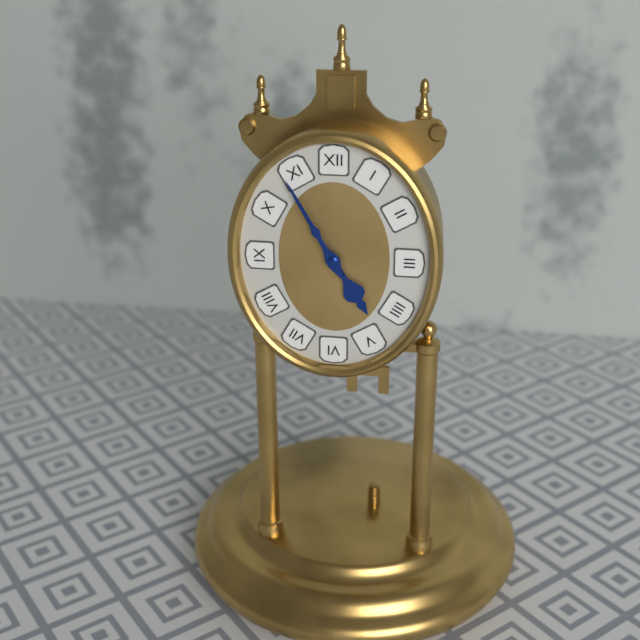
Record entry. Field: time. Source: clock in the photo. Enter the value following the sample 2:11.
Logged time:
4:55
